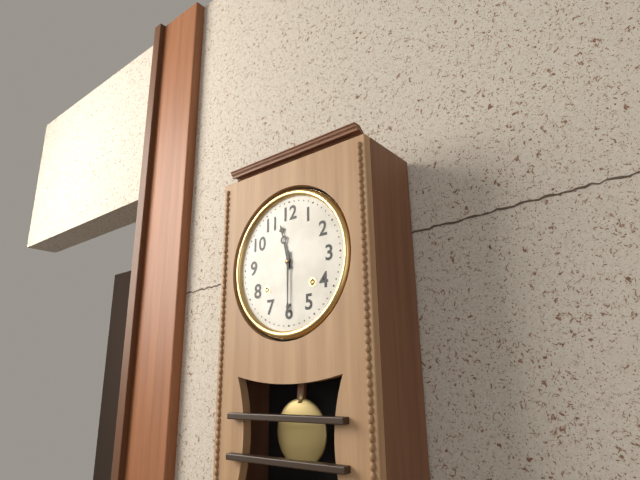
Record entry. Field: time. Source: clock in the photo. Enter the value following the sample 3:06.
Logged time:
11:30
